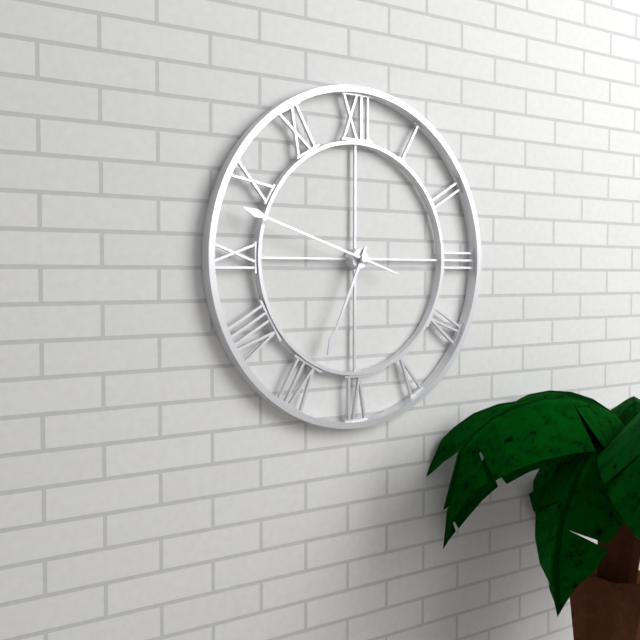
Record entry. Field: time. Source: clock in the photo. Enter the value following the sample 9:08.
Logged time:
6:48
